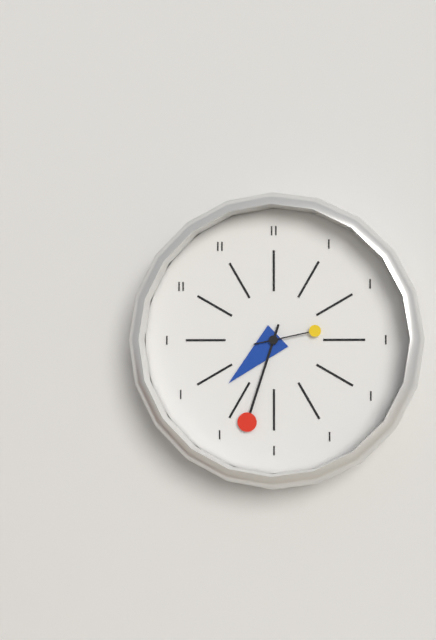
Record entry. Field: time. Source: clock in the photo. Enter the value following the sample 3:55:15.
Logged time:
7:33:13
